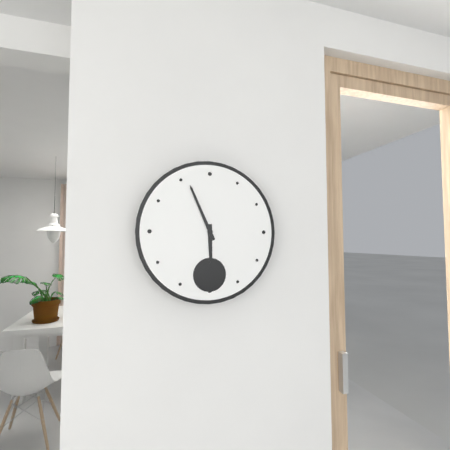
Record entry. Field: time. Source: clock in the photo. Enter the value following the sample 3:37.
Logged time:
5:56
